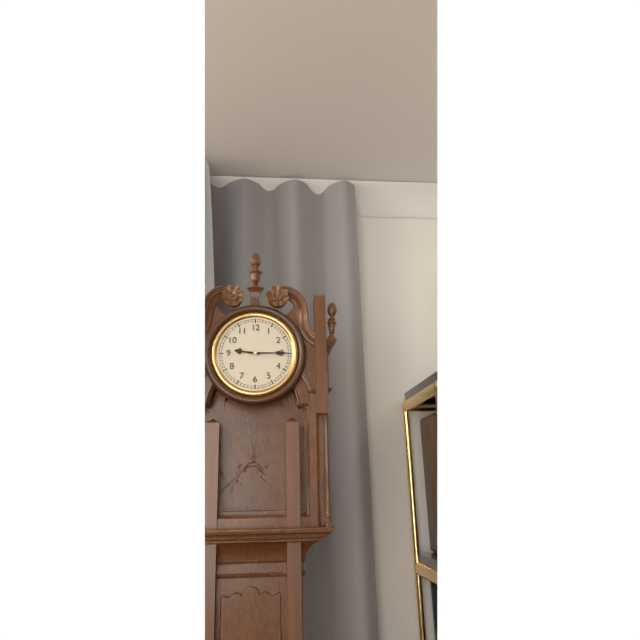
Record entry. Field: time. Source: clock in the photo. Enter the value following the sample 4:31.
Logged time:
9:15
